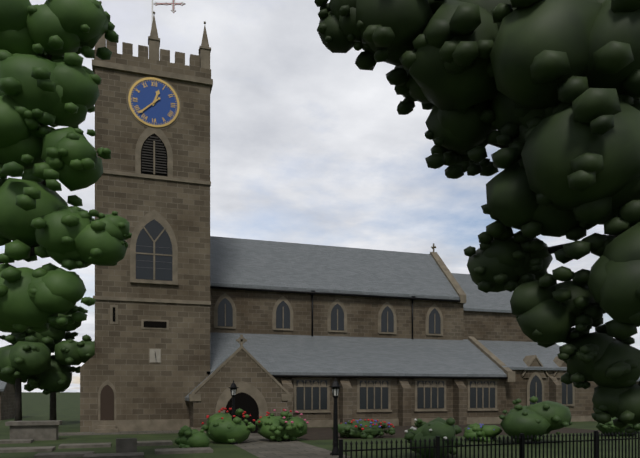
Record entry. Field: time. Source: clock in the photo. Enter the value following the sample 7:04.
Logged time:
12:38
